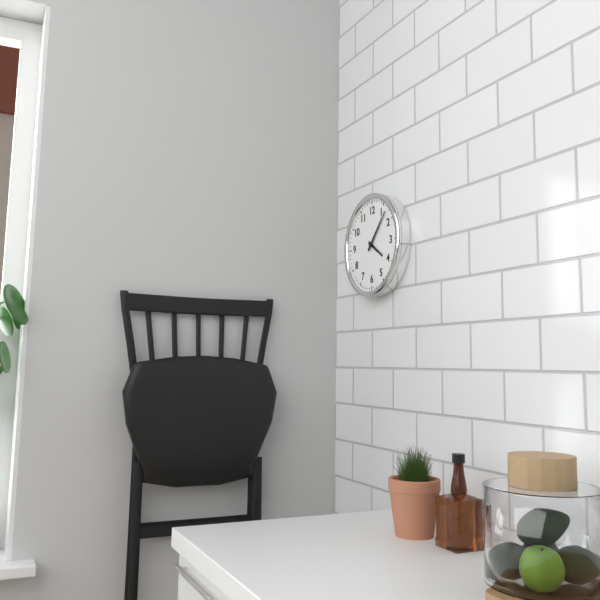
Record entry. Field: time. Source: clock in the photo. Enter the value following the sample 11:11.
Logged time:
4:07
